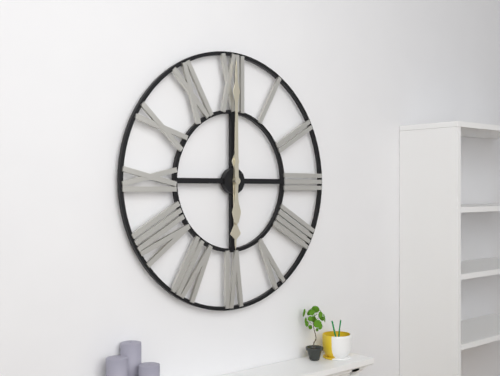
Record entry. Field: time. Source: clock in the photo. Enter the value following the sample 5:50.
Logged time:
6:00
